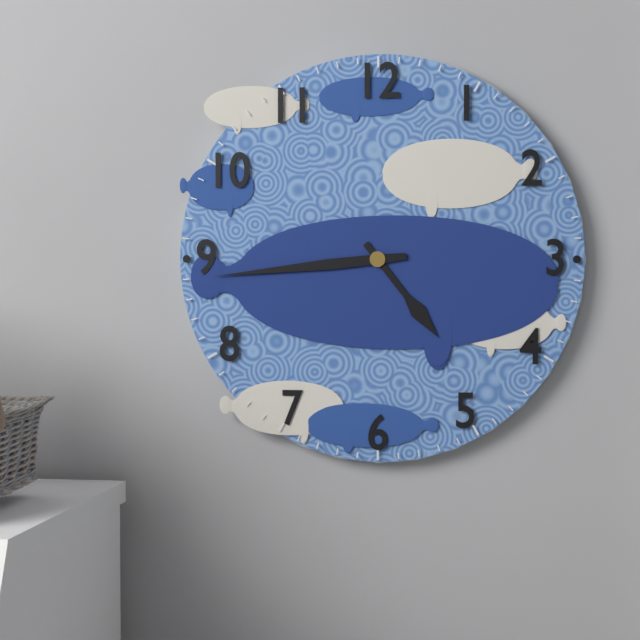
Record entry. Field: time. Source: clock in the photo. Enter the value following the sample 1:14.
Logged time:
4:44
